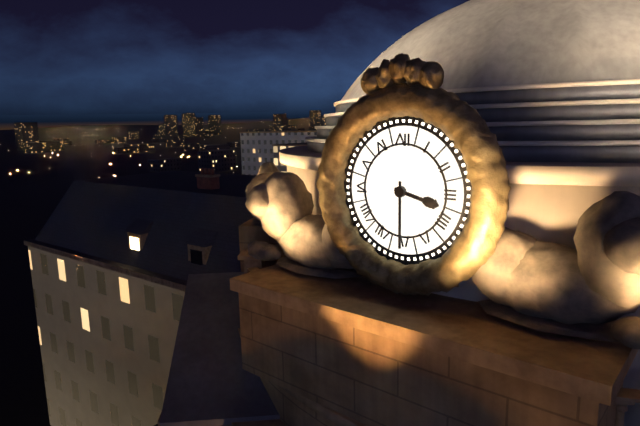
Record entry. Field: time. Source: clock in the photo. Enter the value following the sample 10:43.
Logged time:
3:30
